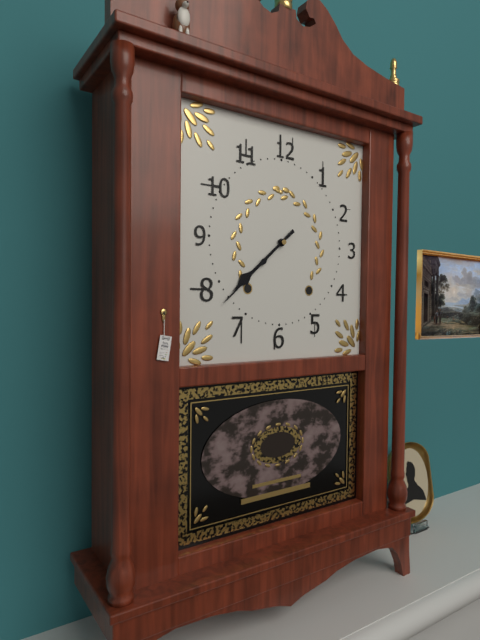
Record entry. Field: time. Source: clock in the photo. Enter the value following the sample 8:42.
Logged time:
7:38
